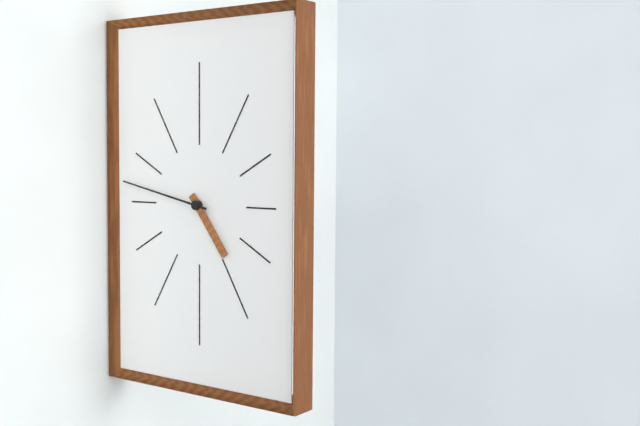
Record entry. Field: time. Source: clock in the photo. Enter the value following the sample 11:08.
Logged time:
4:47
